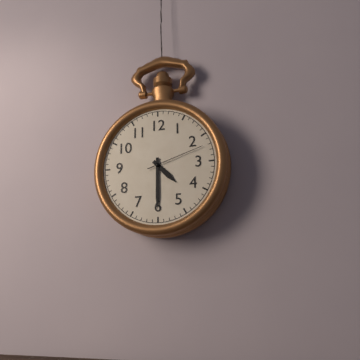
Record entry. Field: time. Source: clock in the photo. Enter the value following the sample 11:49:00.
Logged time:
4:30:12
